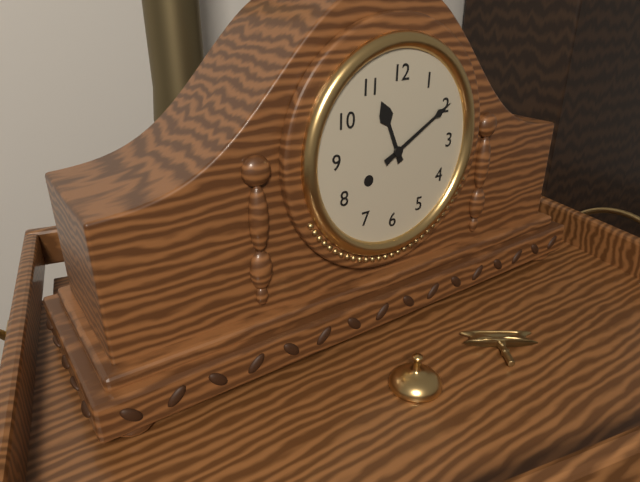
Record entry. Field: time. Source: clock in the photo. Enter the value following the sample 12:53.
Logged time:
11:10
